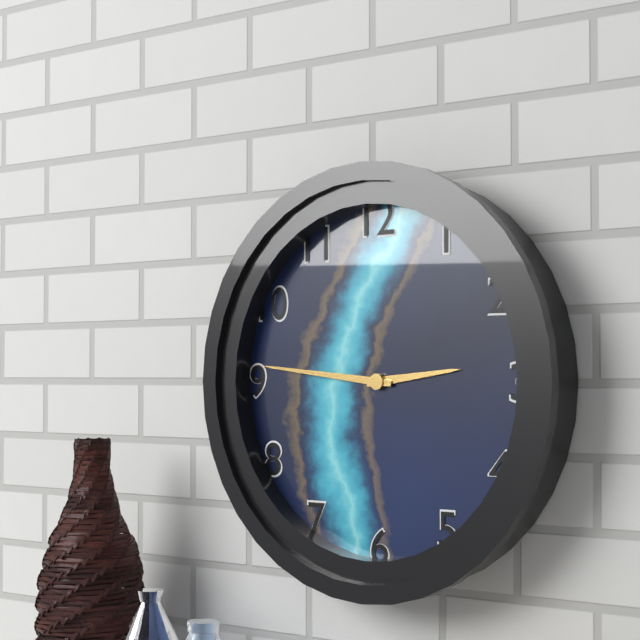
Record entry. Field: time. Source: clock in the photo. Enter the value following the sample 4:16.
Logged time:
2:46
